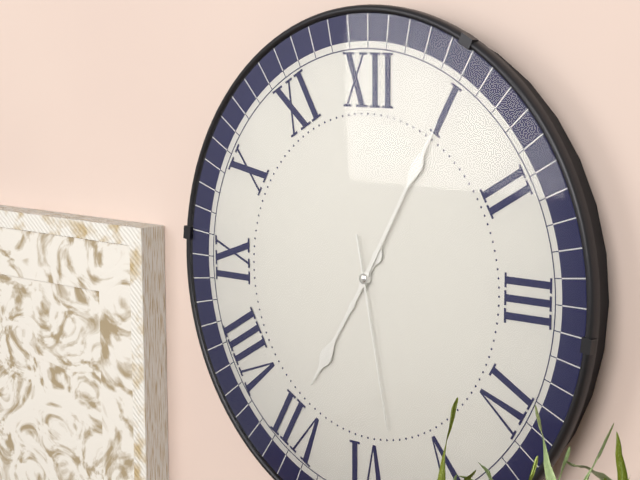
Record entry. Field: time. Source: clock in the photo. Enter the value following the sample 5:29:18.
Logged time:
7:05:28
